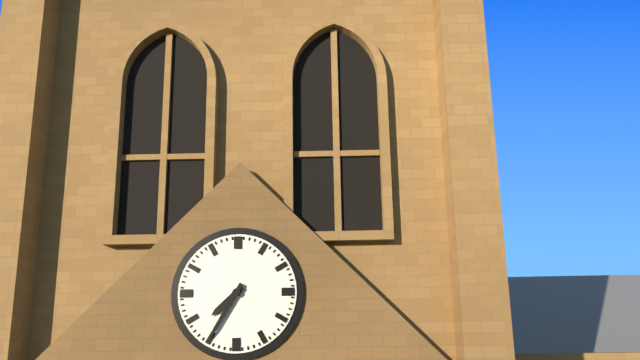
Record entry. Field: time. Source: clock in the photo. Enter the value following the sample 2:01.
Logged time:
7:35
